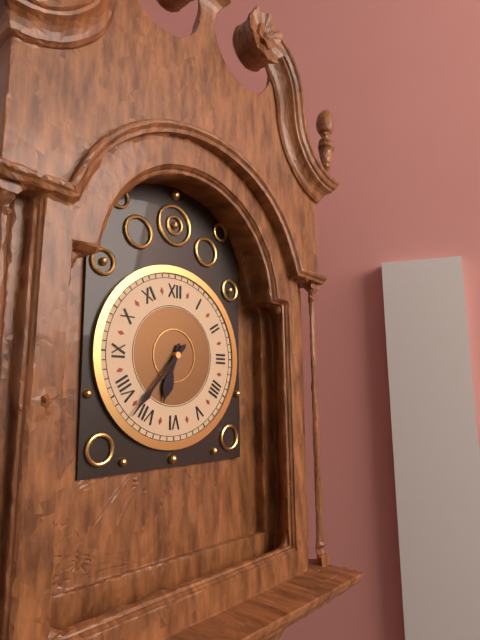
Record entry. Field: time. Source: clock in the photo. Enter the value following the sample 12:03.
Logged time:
6:37
